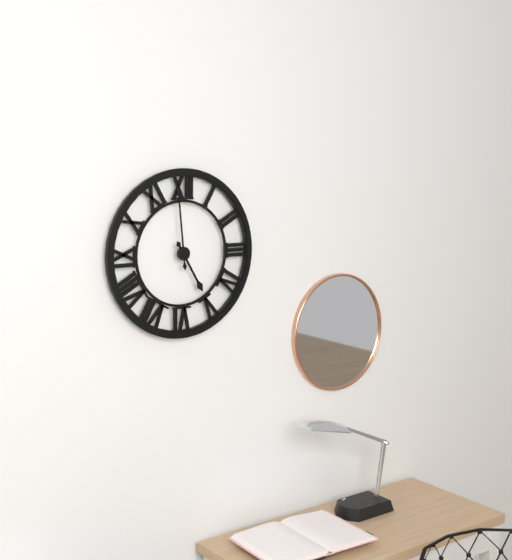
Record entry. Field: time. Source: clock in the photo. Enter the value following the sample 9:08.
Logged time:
4:59
